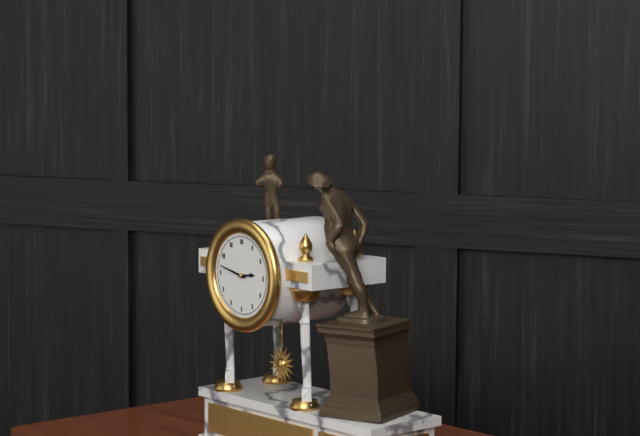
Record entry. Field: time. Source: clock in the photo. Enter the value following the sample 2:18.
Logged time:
2:47
